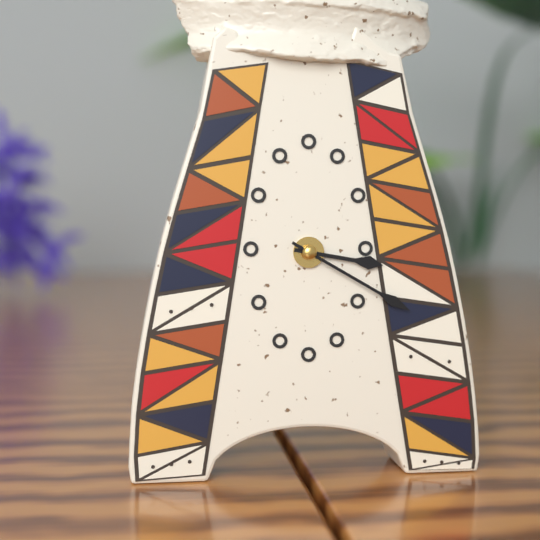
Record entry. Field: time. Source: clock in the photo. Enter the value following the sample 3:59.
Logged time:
3:20
